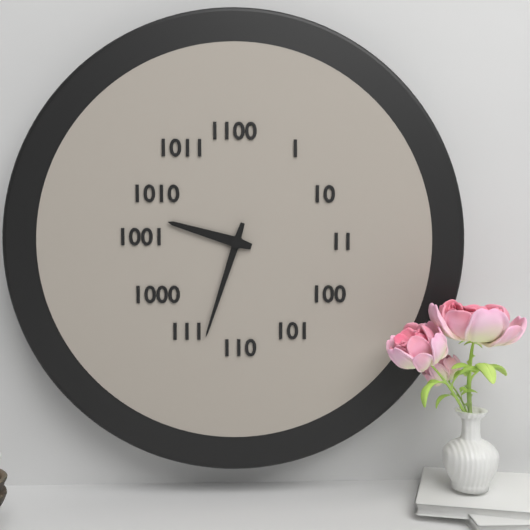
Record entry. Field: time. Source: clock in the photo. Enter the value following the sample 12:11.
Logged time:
9:33
